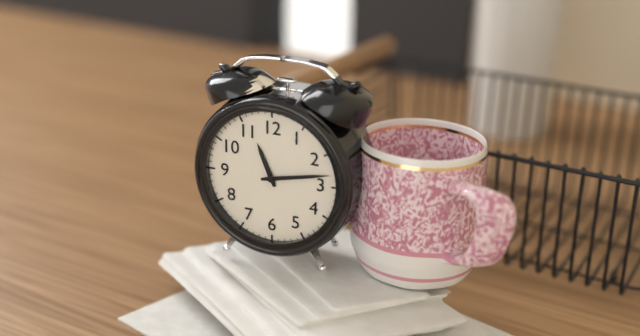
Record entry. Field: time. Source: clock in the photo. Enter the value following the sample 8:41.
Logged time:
11:13
